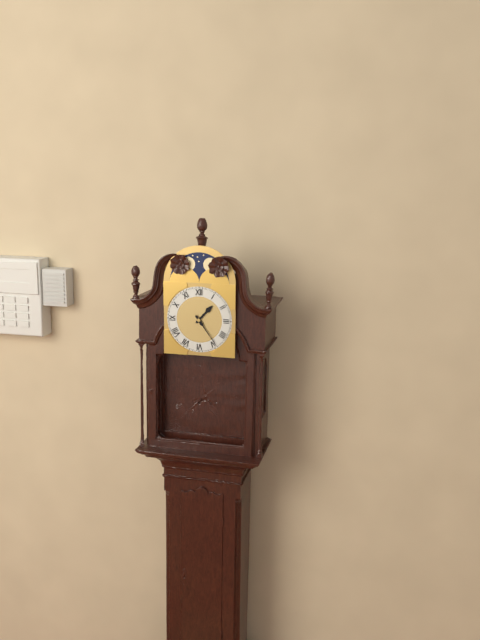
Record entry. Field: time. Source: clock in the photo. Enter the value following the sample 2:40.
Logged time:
1:24
